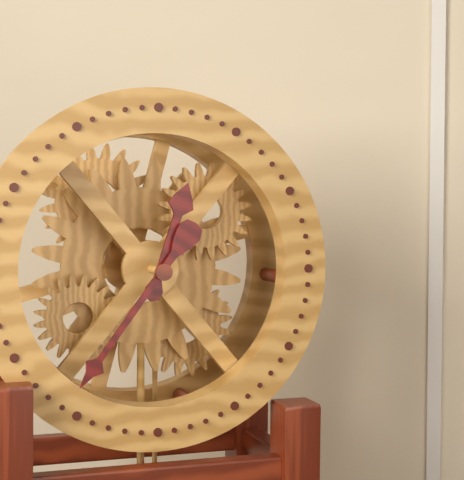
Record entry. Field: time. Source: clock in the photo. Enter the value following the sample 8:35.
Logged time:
12:36
